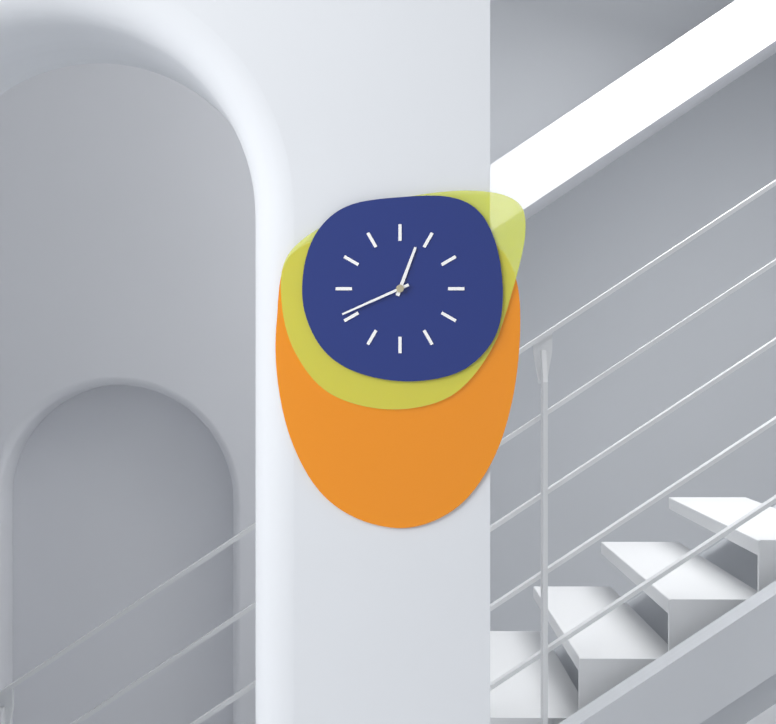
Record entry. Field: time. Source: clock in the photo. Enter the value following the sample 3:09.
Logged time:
12:41
